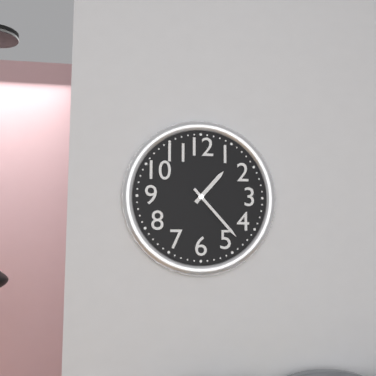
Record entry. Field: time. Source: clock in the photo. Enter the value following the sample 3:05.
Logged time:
1:23
